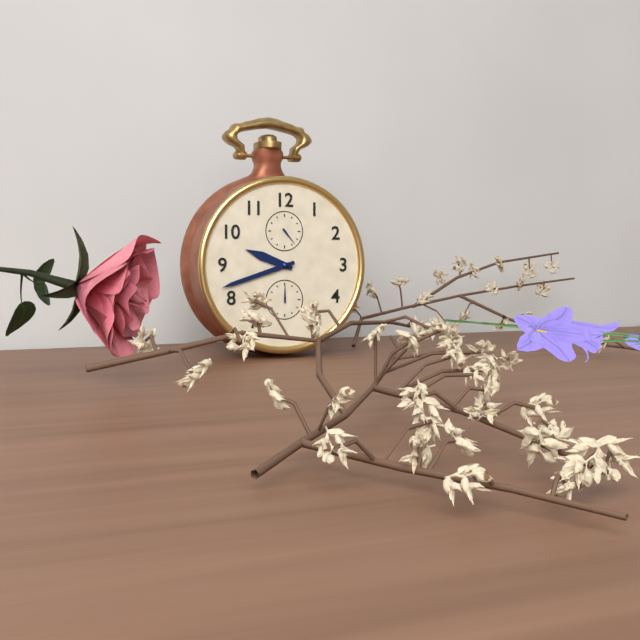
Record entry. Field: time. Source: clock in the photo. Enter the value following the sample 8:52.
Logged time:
9:42
